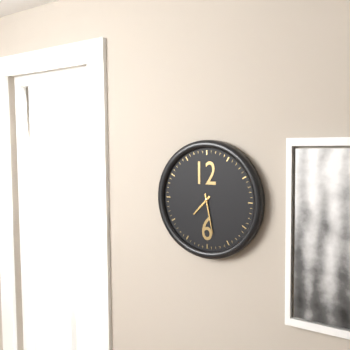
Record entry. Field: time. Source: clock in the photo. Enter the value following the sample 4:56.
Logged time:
7:28
